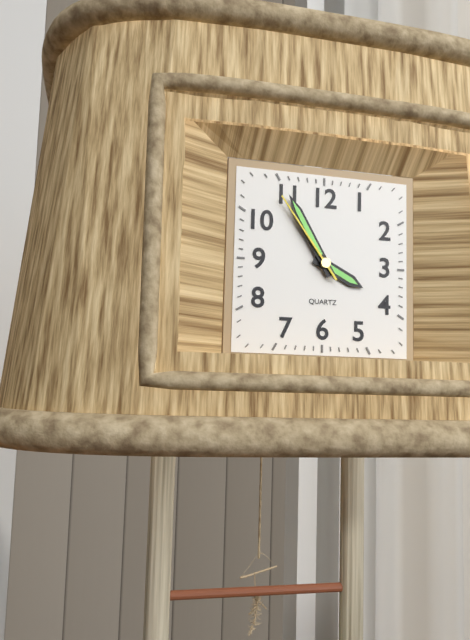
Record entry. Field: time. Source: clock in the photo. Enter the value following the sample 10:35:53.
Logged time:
3:55:54
